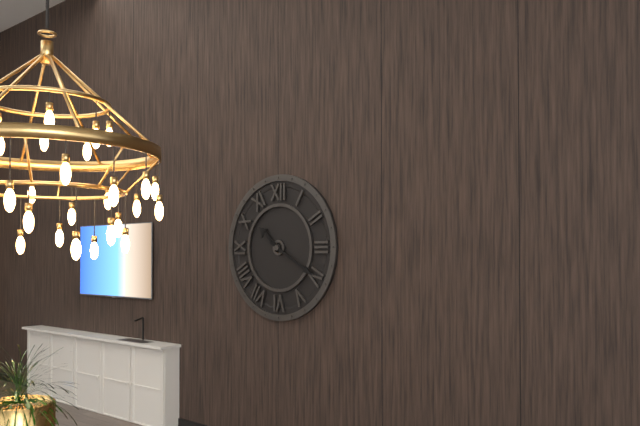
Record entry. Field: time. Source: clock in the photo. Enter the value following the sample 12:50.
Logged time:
10:20
